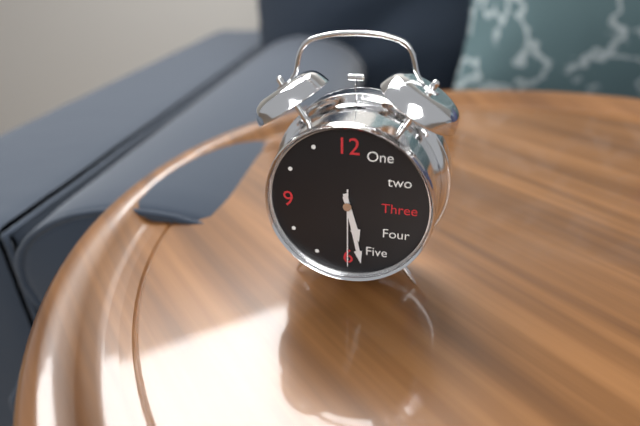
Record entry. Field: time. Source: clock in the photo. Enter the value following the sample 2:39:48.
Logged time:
5:28:30
